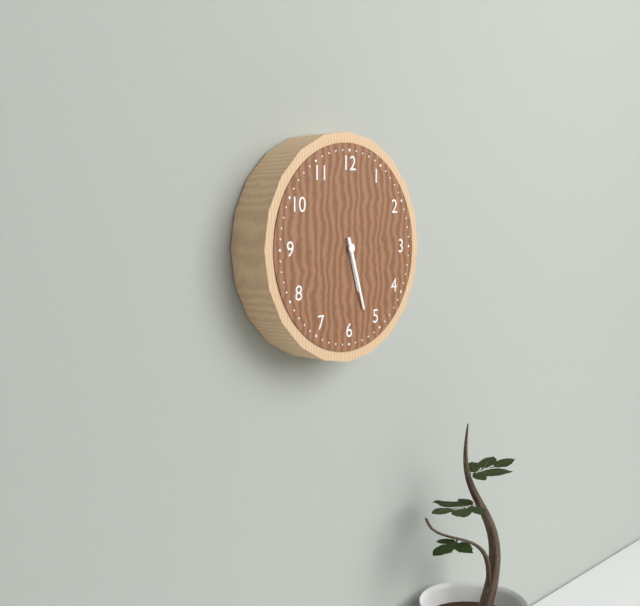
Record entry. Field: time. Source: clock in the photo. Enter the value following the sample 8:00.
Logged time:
5:27
